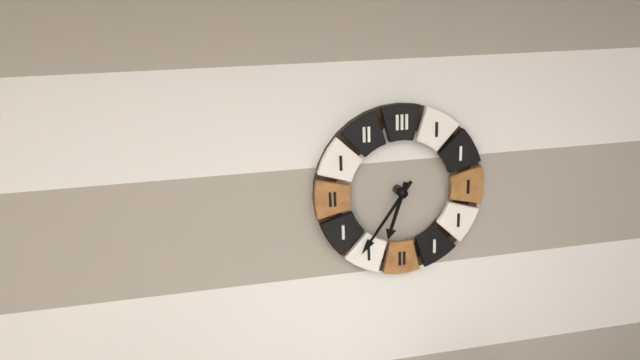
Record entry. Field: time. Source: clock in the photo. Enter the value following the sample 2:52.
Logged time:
6:36
